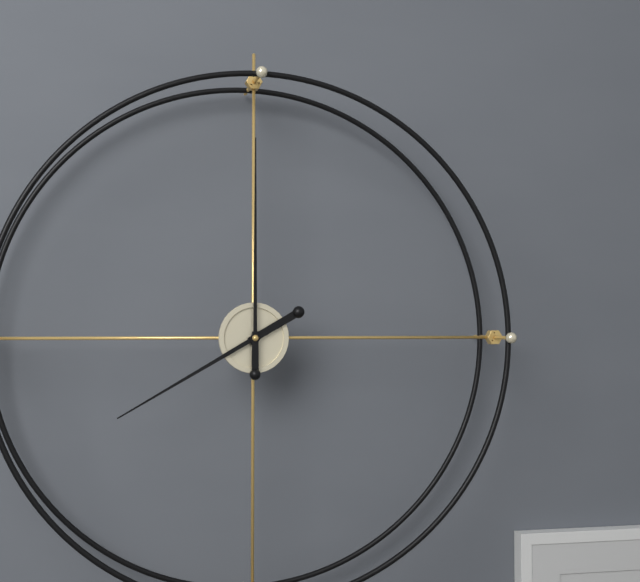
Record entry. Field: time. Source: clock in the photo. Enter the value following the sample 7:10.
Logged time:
8:00
